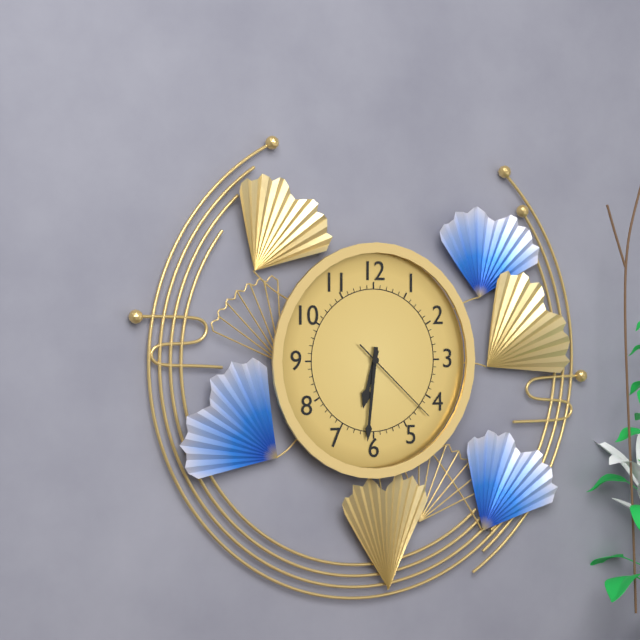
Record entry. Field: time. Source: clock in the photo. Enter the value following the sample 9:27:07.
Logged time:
6:31:22
